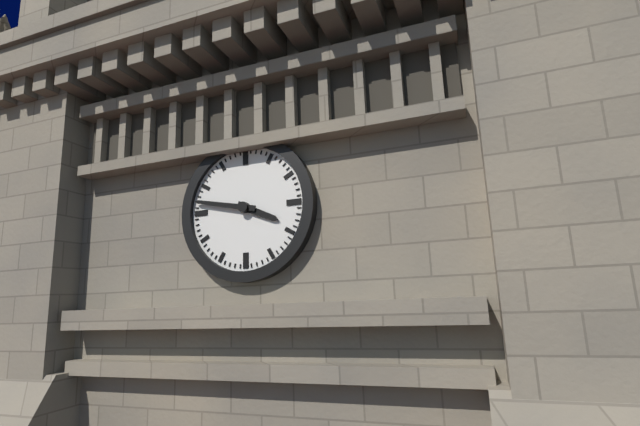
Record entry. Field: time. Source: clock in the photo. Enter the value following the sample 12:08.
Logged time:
3:47
